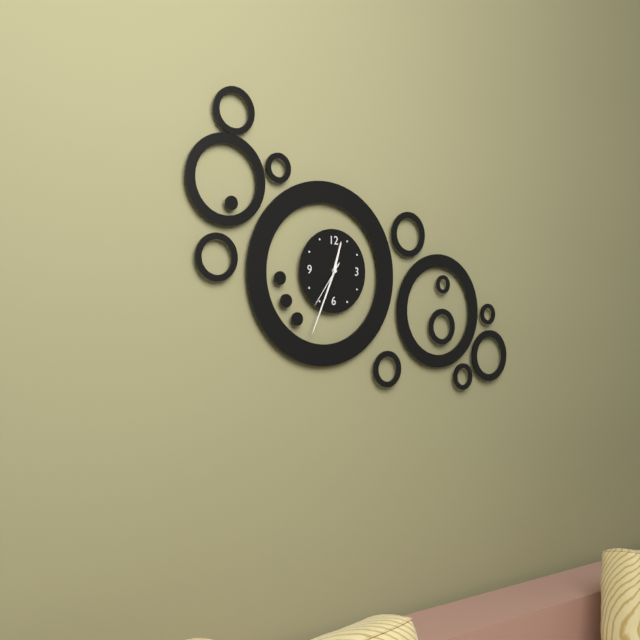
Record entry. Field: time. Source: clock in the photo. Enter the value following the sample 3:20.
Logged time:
12:34
